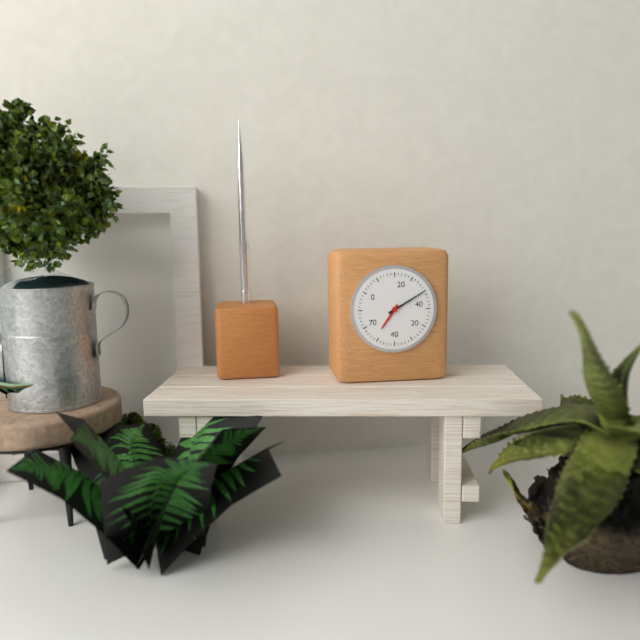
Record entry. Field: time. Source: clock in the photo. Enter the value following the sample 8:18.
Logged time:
7:10
